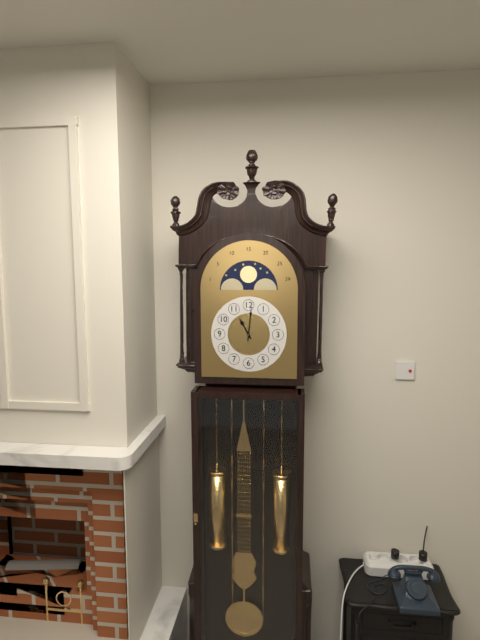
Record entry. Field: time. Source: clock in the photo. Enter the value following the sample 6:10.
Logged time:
11:01
